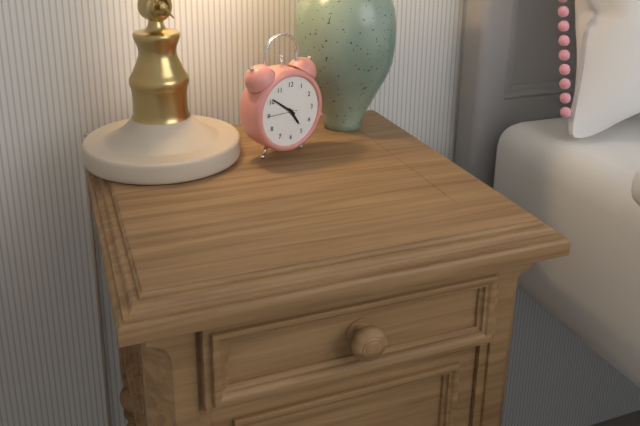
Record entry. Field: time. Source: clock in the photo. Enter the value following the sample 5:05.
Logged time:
4:51
